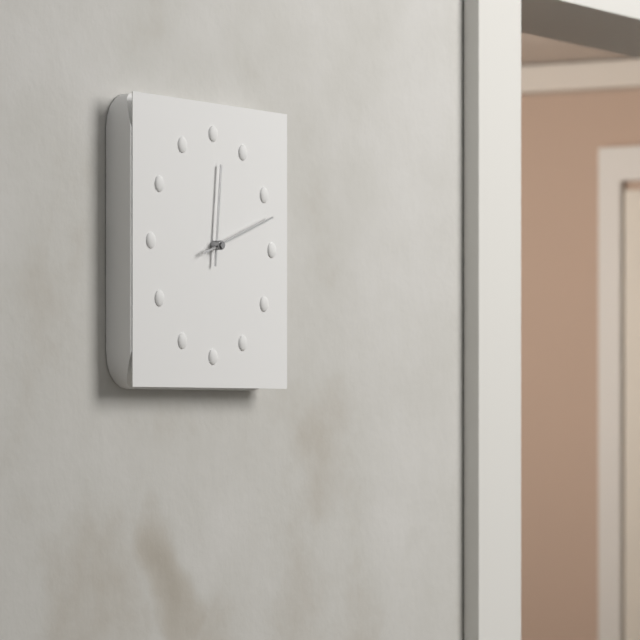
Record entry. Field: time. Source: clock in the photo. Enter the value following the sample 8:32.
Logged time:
12:12
